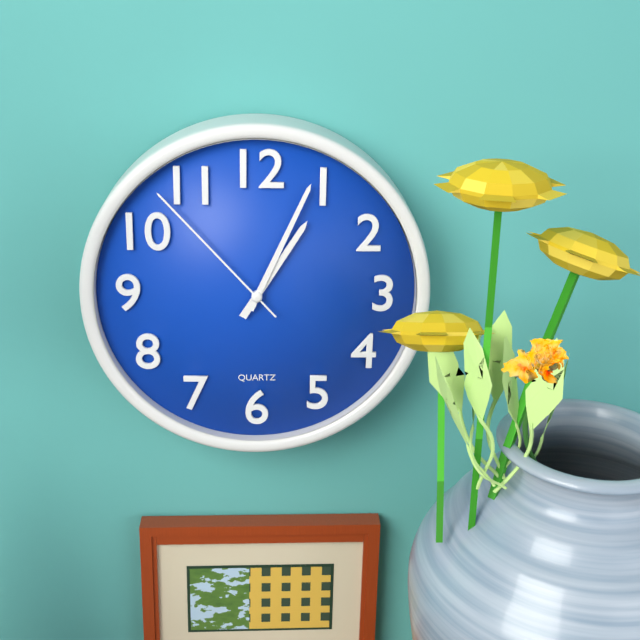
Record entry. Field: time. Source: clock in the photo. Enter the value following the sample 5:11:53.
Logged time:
1:04:53
